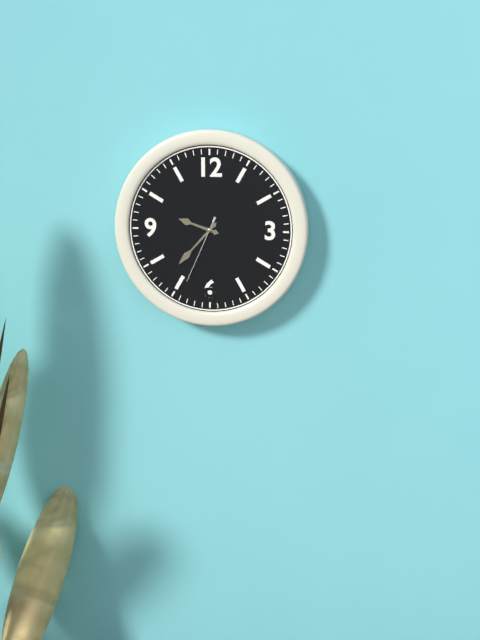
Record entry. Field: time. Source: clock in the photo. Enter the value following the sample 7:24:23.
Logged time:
9:37:34
